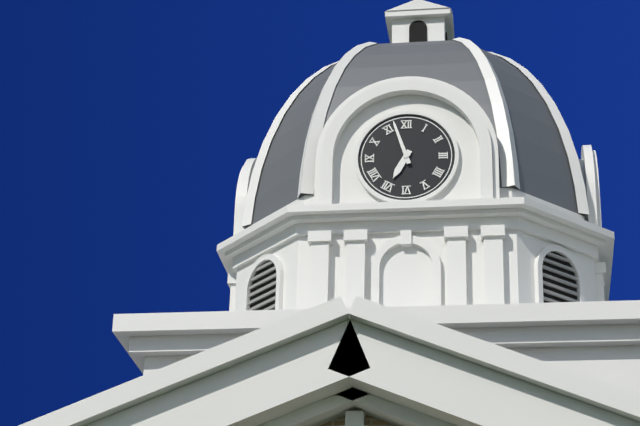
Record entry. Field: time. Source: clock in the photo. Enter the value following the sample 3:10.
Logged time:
6:57
